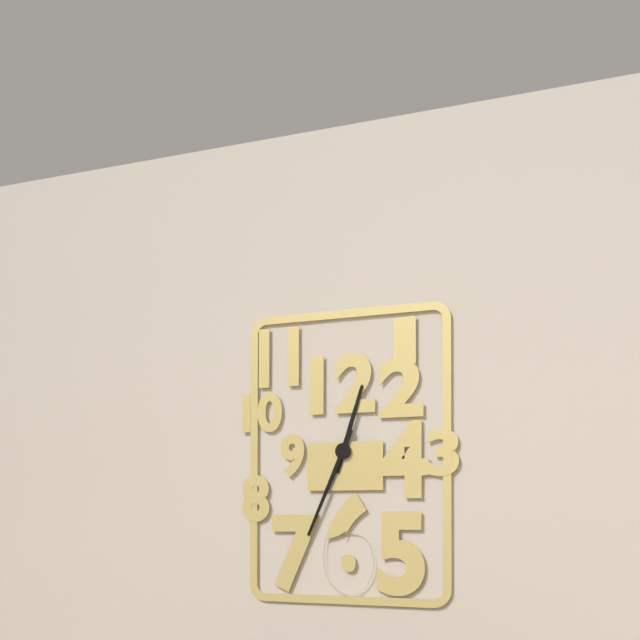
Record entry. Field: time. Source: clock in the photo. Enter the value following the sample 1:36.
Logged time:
12:34
